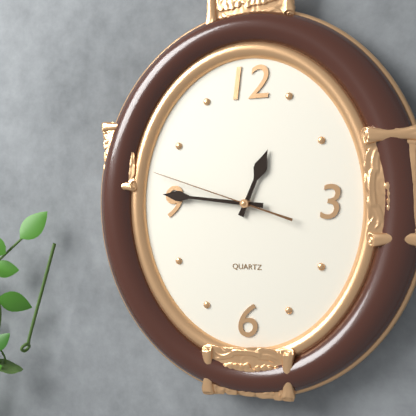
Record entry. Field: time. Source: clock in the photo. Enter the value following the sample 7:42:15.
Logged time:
12:46:48
